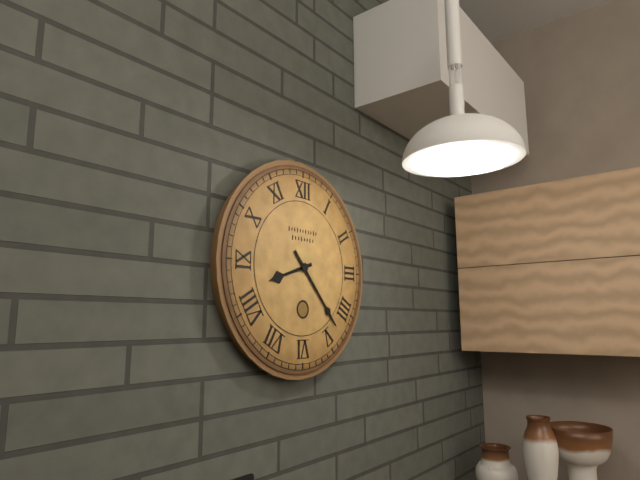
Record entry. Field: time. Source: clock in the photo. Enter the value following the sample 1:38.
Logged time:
8:23
